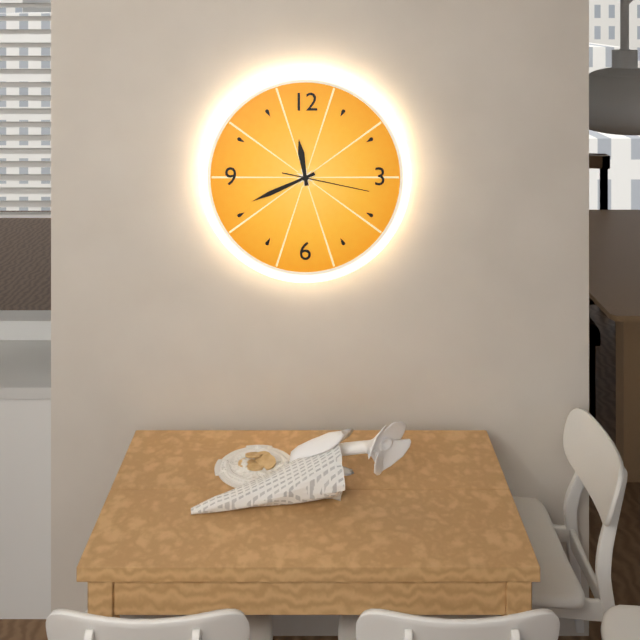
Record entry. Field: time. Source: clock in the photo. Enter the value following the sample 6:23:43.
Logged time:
11:41:17
